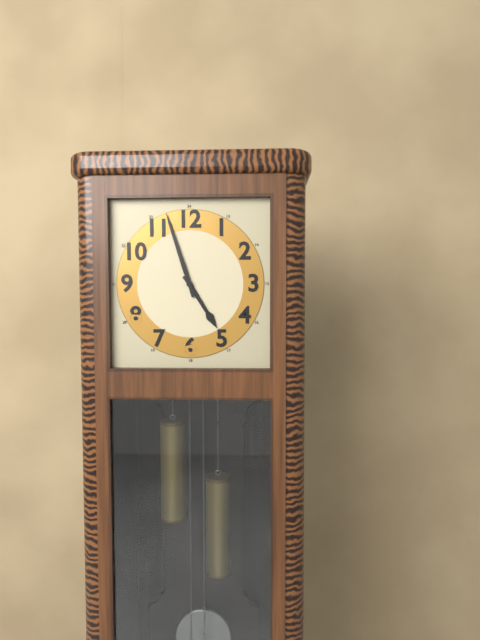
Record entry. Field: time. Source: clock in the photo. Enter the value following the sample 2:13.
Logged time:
4:57
